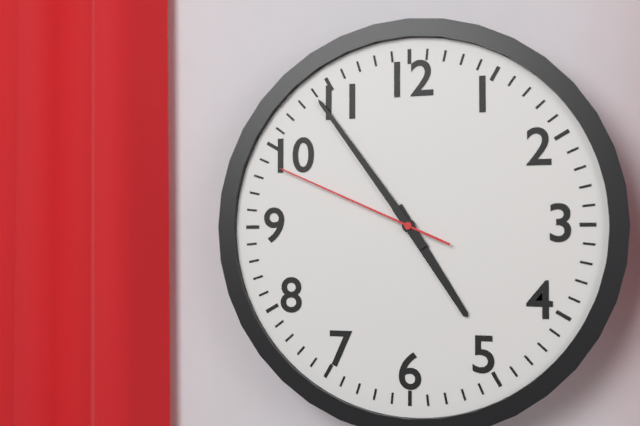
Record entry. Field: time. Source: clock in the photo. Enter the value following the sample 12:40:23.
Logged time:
4:54:49
